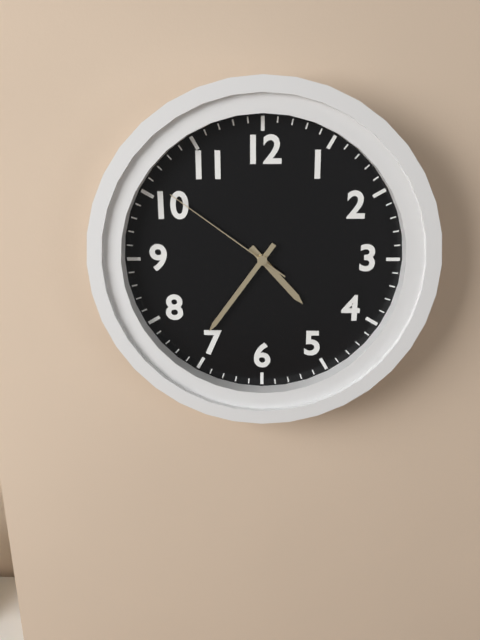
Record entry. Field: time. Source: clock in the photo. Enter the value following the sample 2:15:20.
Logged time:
4:36:51
